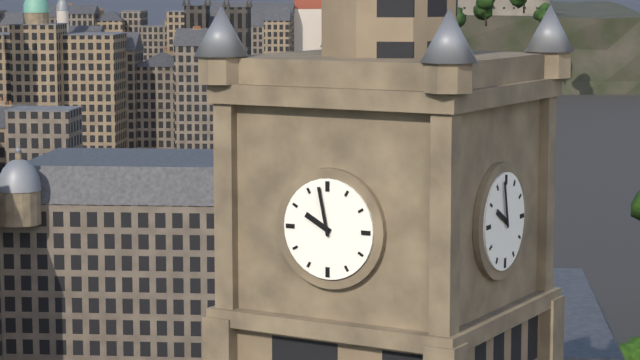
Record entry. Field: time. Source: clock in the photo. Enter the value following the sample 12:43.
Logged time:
9:58
